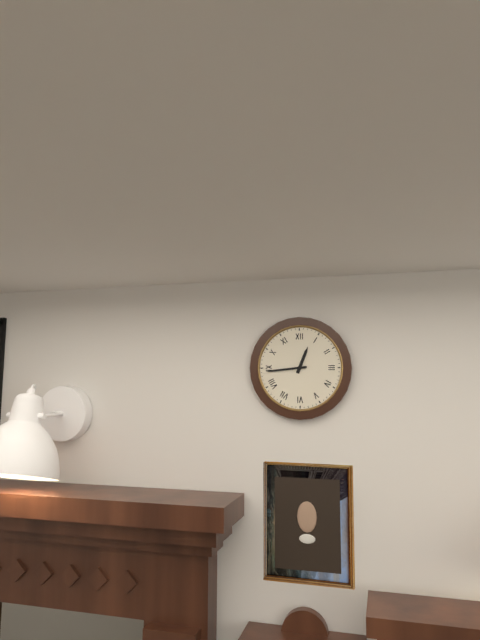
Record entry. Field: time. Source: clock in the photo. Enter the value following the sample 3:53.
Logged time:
12:44
